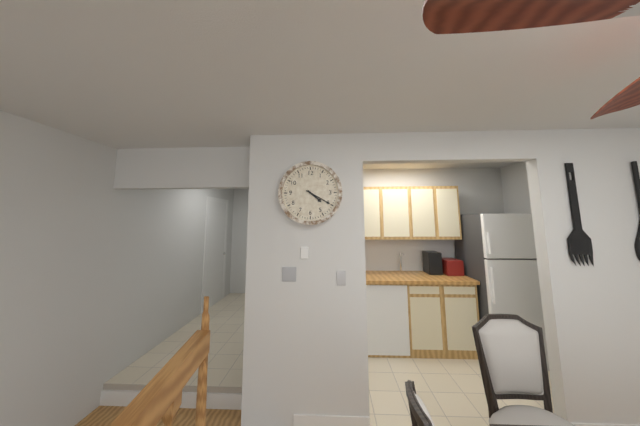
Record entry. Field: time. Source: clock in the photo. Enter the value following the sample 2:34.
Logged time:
4:20
